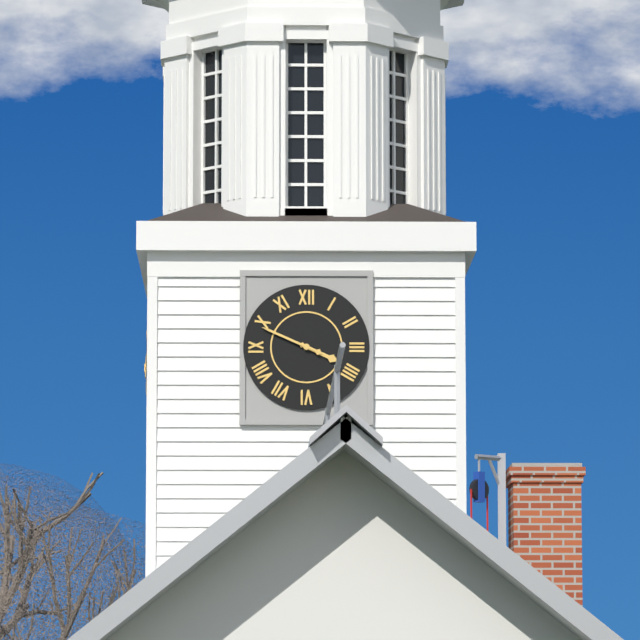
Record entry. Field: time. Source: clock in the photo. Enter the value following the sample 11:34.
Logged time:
3:49
